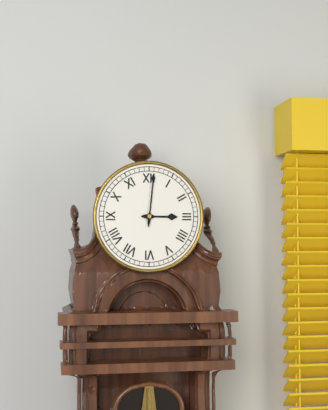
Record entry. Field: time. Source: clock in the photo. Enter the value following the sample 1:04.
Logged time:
3:01
